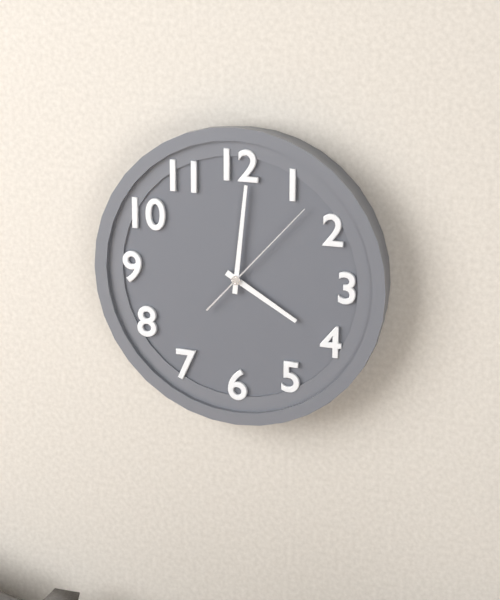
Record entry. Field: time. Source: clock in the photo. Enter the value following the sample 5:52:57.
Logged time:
4:01:07
